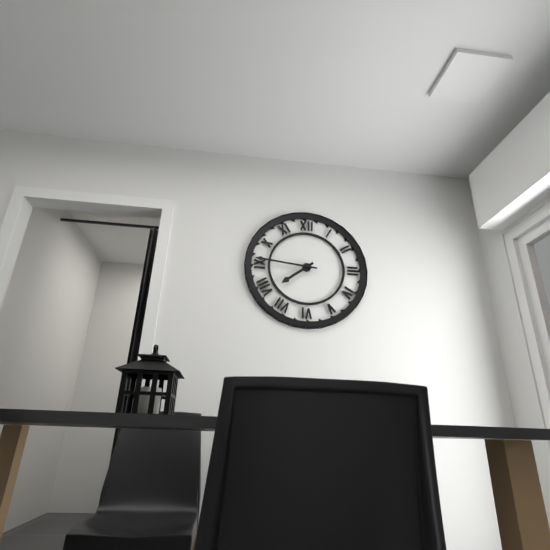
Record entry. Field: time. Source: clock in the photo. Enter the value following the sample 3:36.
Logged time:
7:46
